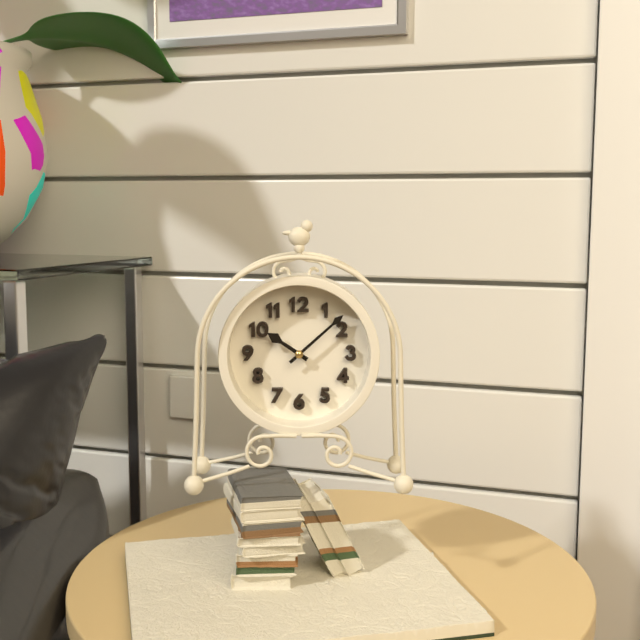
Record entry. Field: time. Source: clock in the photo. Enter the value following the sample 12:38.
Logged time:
10:08
